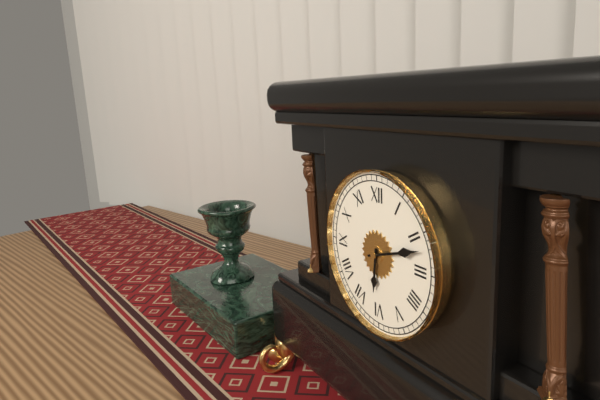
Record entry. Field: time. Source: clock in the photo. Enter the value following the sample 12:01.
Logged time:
6:12
